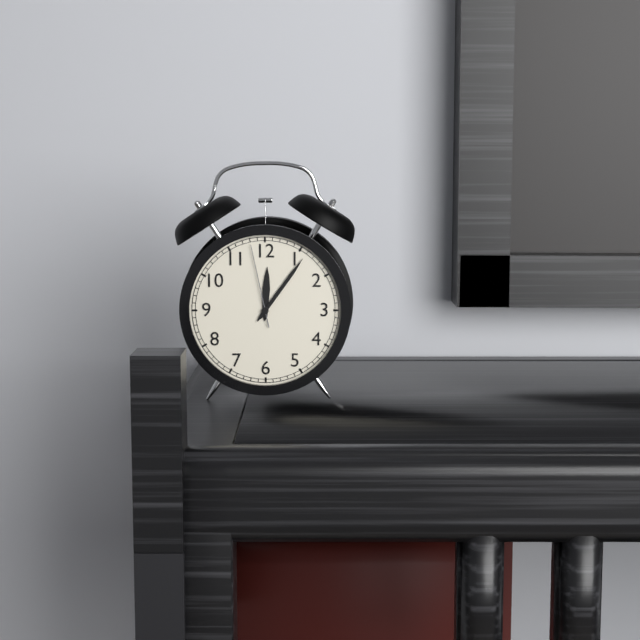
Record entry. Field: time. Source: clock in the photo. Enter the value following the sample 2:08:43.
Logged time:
12:06:58
